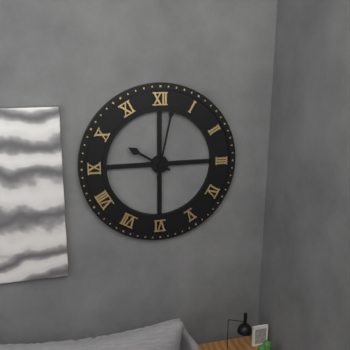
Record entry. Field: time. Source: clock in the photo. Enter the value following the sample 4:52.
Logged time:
10:02
